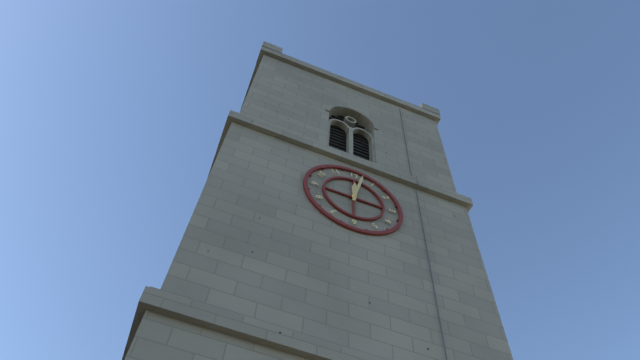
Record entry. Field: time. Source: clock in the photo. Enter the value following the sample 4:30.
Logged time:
12:02
